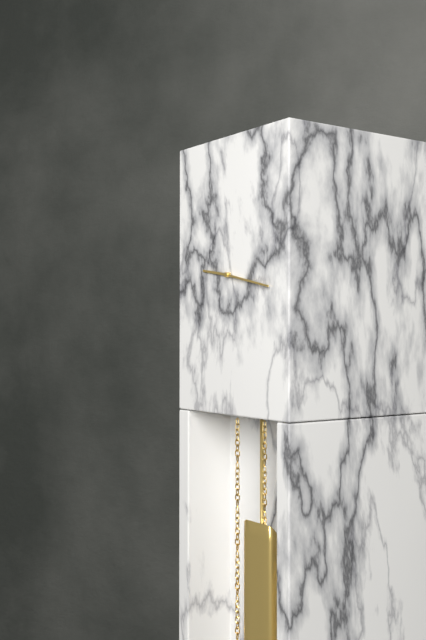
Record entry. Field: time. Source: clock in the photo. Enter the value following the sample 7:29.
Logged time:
9:17
